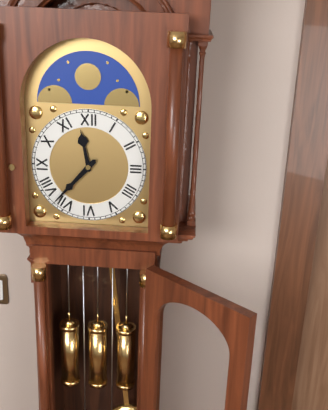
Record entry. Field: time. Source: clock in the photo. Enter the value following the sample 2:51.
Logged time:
11:37
